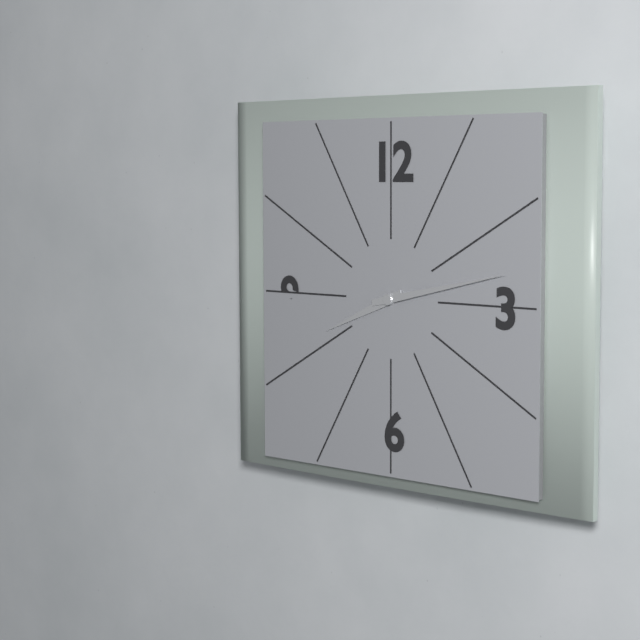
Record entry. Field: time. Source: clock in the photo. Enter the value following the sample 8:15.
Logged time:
8:13
